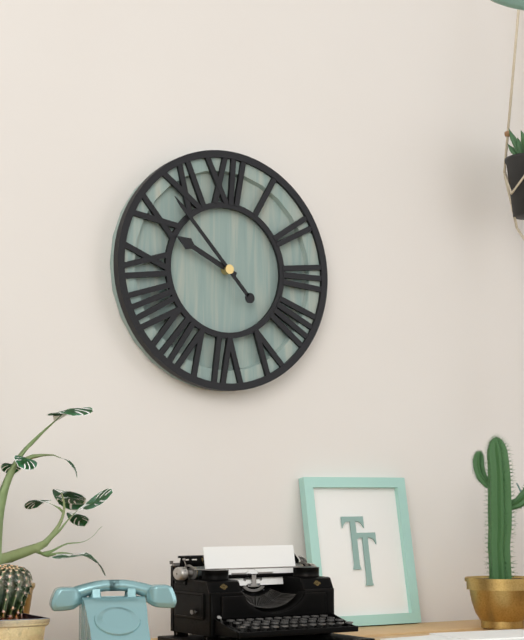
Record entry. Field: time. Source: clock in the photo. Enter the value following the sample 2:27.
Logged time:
9:53
